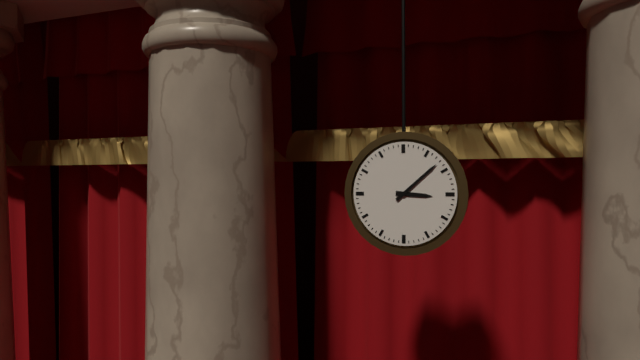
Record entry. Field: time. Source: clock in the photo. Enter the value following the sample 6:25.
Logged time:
3:08
